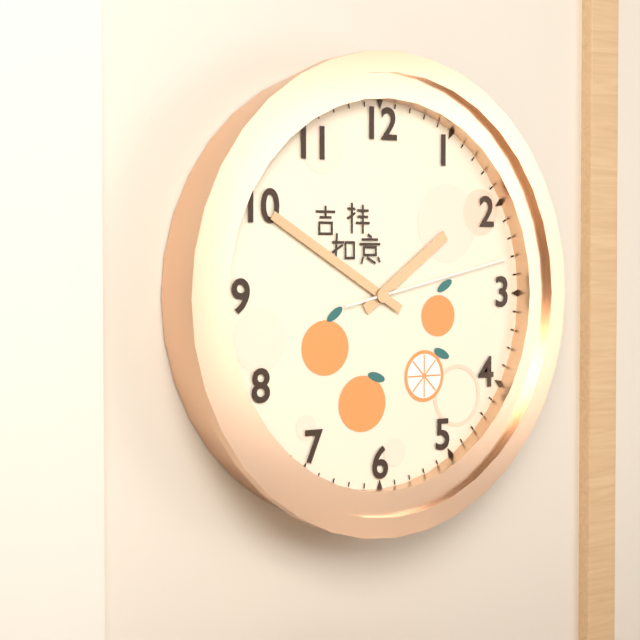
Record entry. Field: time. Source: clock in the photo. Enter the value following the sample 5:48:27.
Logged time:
1:50:13
